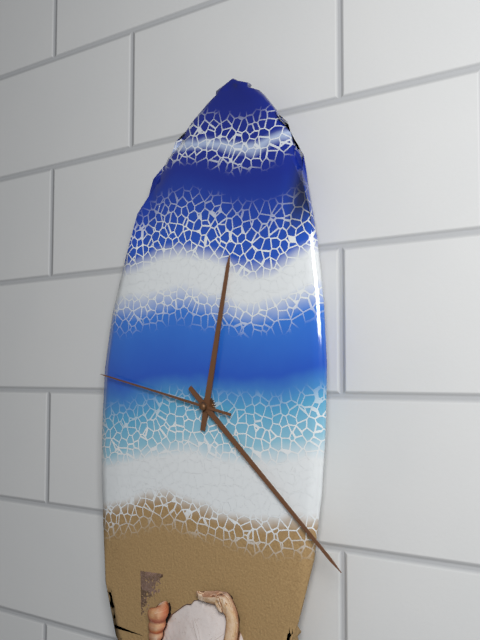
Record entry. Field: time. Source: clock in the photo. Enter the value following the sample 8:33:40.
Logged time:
12:22:47
